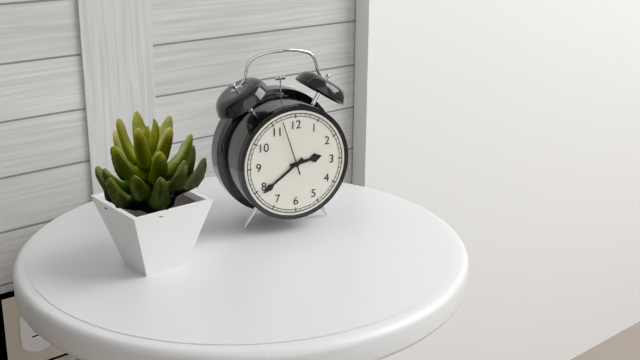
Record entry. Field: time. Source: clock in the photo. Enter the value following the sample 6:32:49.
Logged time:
2:39:57
